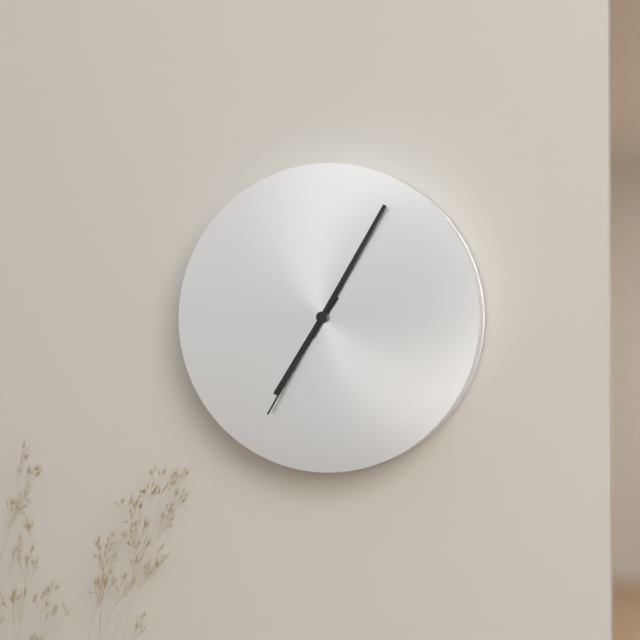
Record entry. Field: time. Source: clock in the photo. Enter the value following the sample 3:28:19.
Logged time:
7:05:35
